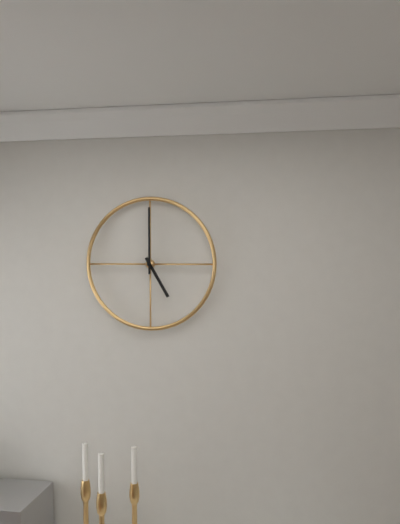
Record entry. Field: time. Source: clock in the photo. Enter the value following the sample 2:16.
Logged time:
5:00
